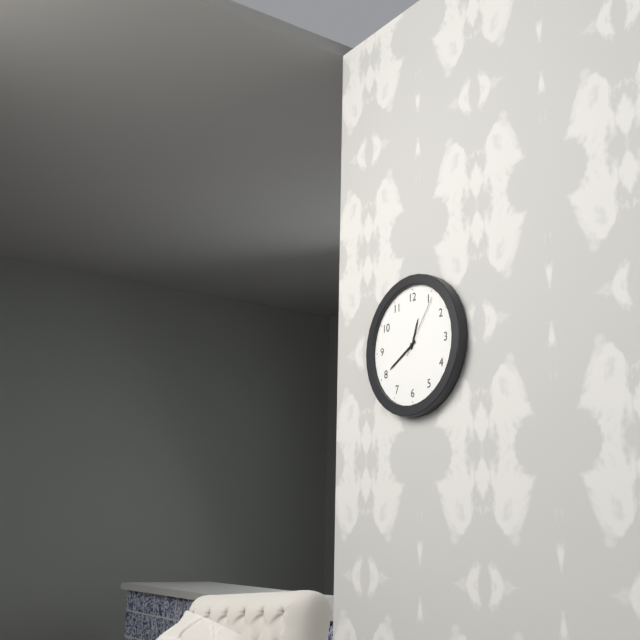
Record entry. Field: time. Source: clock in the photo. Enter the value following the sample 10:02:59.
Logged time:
12:40:06
